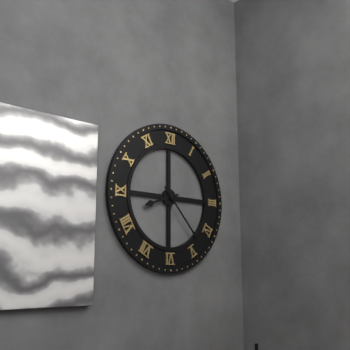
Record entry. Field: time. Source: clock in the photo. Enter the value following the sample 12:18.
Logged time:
8:23
